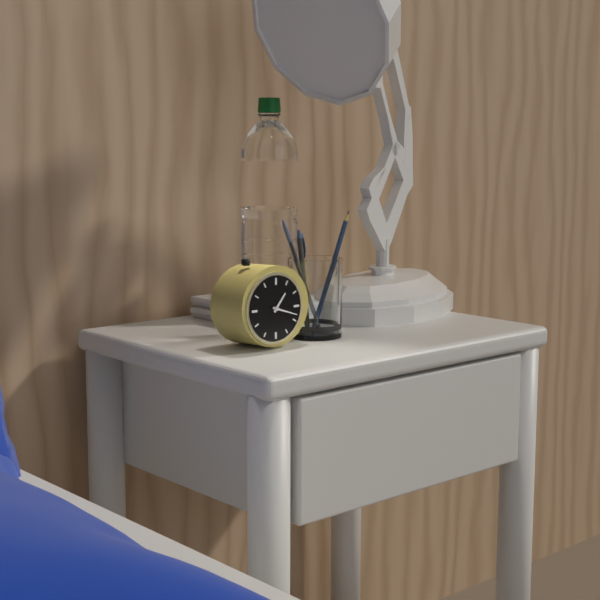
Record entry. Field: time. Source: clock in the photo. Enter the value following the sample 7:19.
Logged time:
1:18
